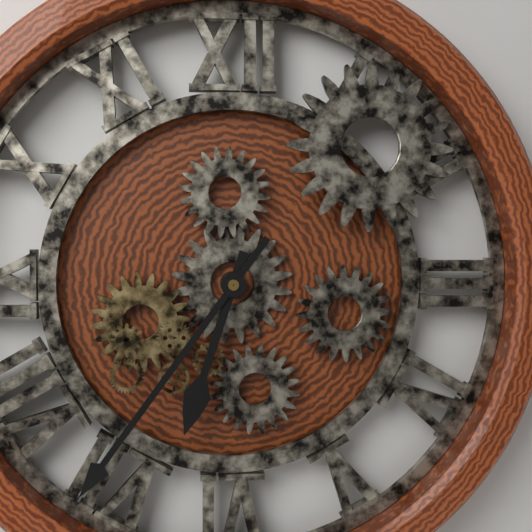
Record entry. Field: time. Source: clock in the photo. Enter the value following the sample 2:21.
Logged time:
6:36
